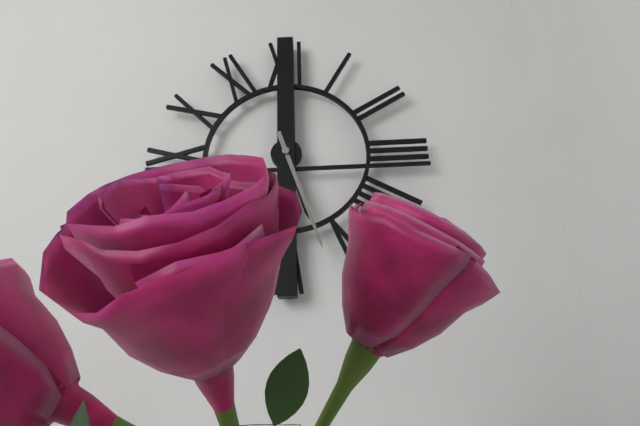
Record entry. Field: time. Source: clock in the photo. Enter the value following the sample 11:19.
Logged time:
5:27
